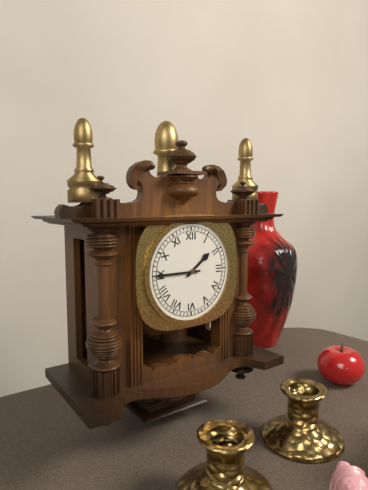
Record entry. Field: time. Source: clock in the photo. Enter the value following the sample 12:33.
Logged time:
1:45
